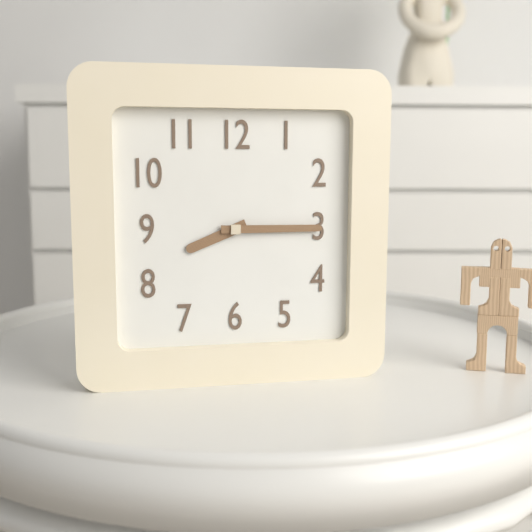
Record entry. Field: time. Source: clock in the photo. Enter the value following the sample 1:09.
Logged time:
8:15
